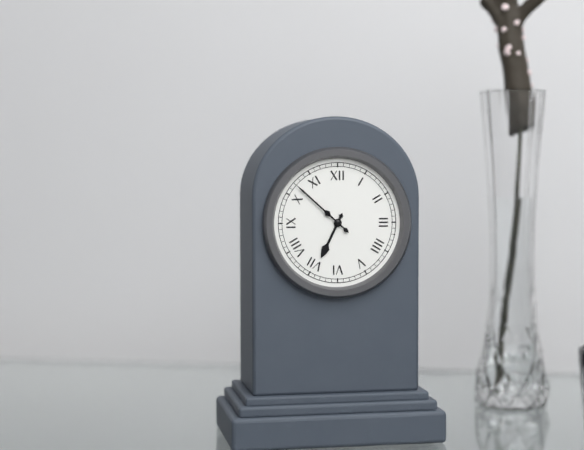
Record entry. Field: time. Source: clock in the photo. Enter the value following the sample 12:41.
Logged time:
6:52
